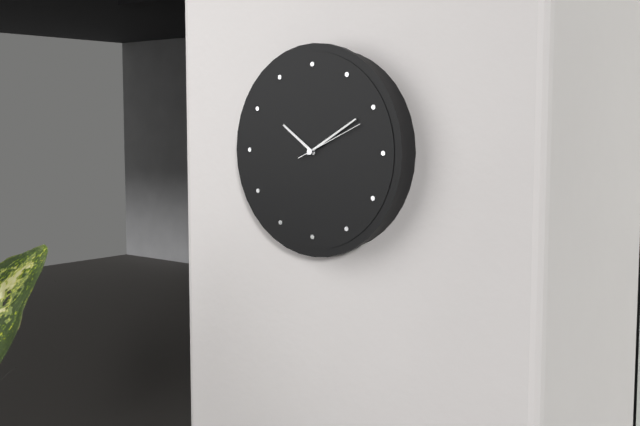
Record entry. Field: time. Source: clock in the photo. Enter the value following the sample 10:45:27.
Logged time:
10:10:11
